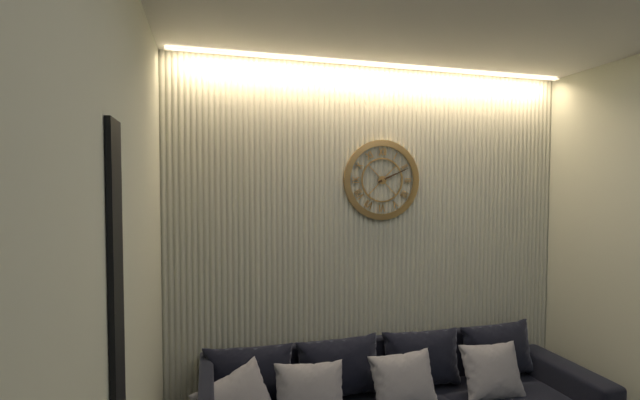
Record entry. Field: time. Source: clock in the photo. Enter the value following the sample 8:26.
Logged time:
2:11
